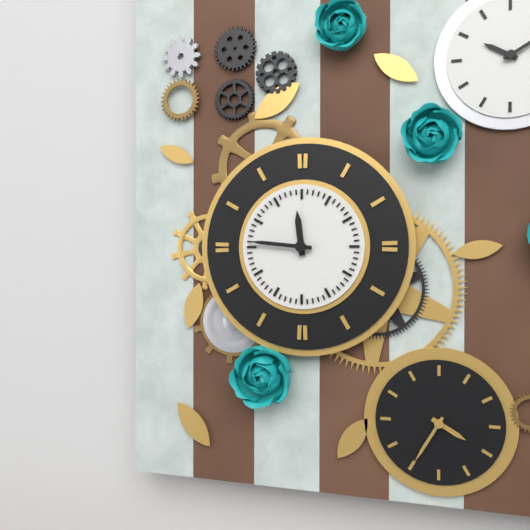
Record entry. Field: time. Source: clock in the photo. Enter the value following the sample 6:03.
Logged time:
11:46
